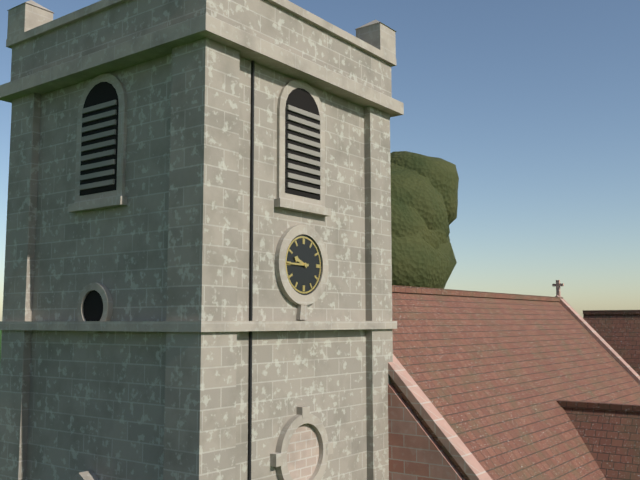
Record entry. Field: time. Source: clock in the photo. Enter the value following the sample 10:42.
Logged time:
9:45
